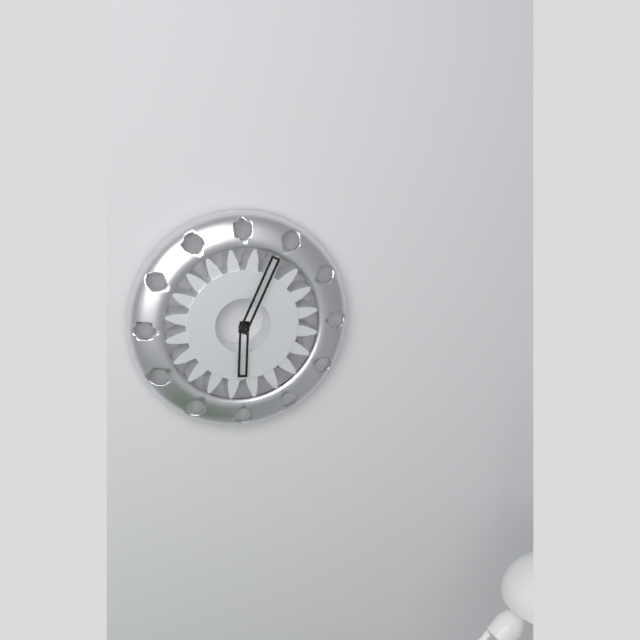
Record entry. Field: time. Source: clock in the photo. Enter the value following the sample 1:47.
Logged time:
6:04
